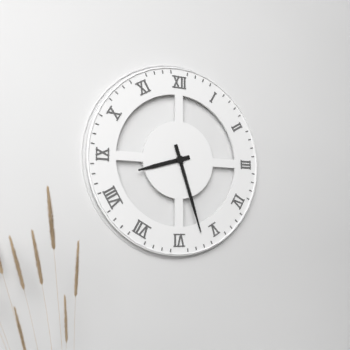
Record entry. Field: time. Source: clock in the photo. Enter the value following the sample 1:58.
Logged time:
8:27
